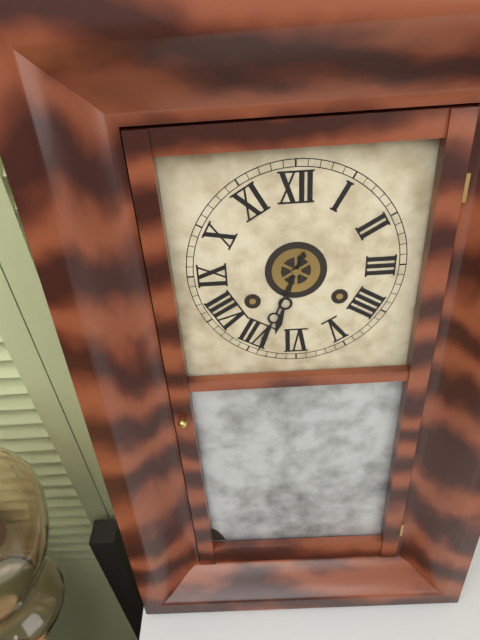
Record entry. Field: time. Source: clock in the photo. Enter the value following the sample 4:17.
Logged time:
6:34
